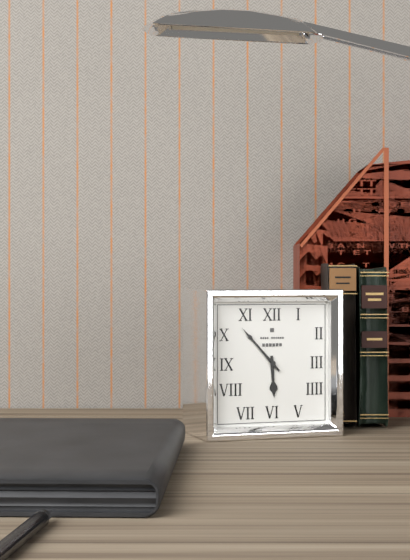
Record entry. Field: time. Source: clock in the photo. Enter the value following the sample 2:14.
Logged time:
5:53
